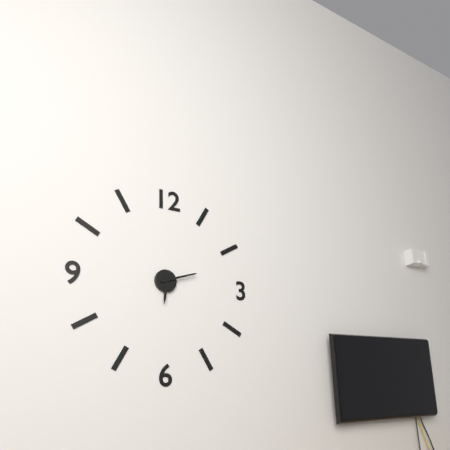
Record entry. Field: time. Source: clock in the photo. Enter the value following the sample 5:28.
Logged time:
6:12
